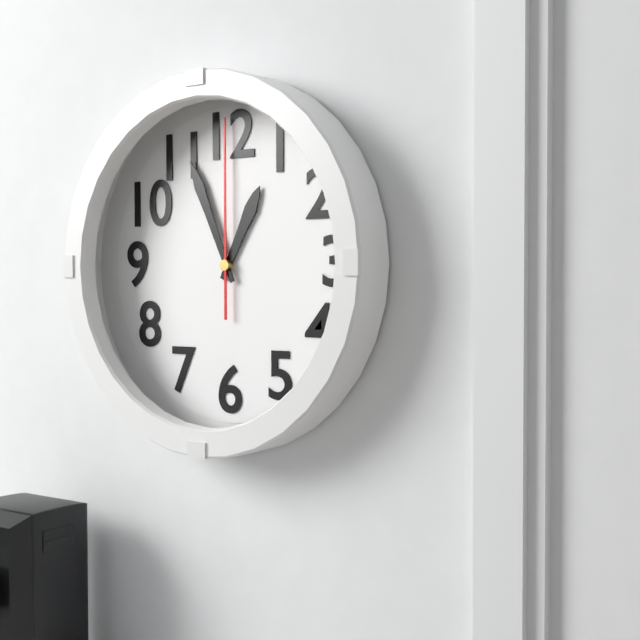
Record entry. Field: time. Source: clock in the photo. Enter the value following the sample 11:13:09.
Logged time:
12:56:00
